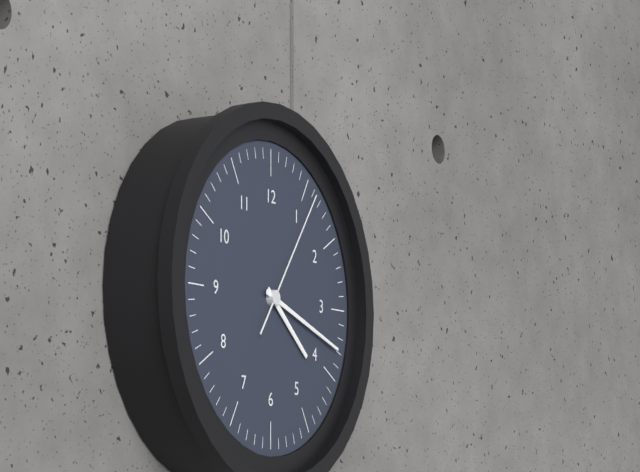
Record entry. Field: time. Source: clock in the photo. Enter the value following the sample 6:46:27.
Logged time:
4:18:06
